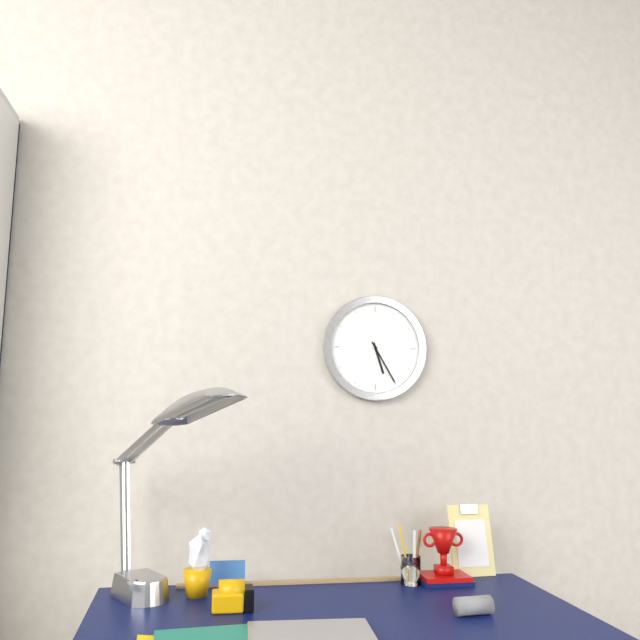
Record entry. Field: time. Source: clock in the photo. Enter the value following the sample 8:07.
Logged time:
5:25
